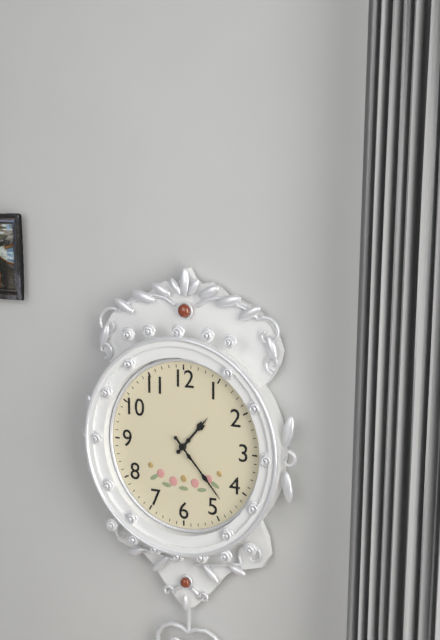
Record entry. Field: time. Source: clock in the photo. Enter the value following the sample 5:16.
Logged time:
1:23
